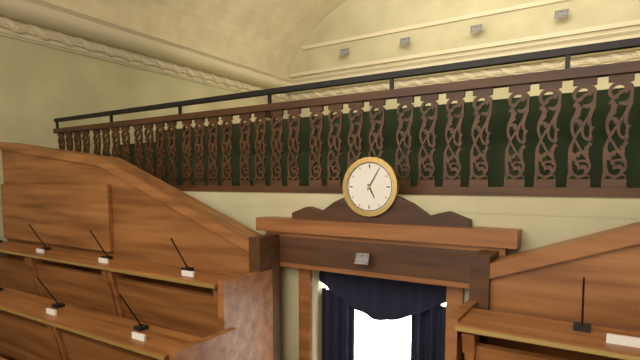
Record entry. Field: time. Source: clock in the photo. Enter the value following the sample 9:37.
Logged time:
5:05
